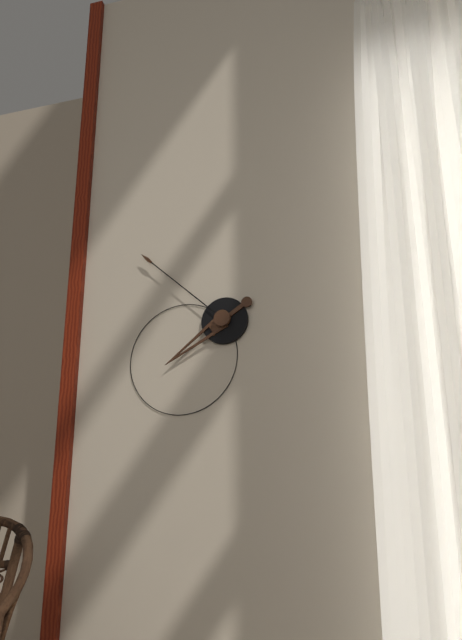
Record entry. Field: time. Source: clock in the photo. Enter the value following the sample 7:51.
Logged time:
7:52
